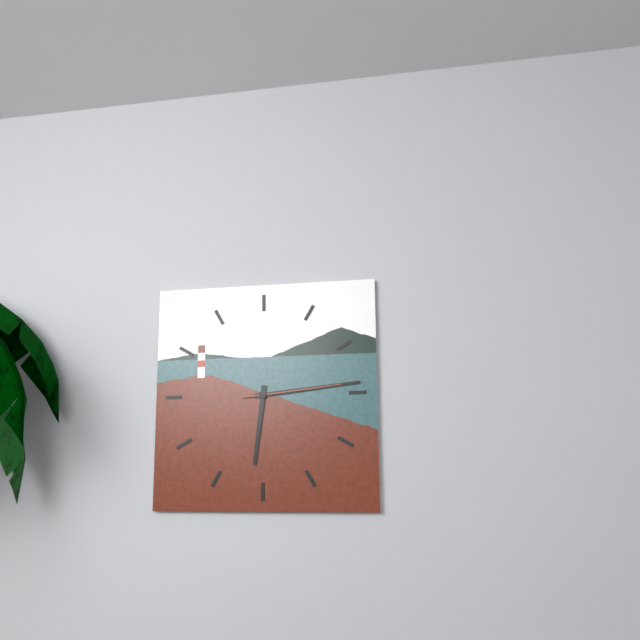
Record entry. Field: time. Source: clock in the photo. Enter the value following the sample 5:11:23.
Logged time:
6:14:14
